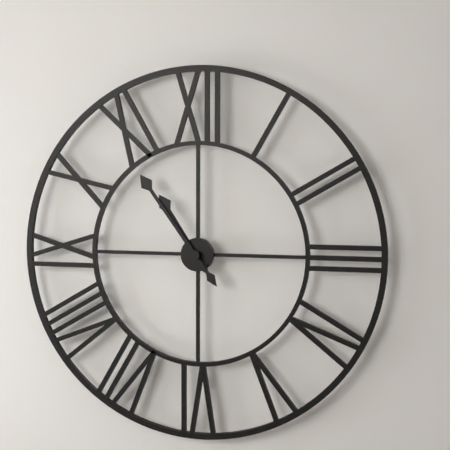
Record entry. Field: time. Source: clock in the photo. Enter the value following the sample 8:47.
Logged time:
10:54
